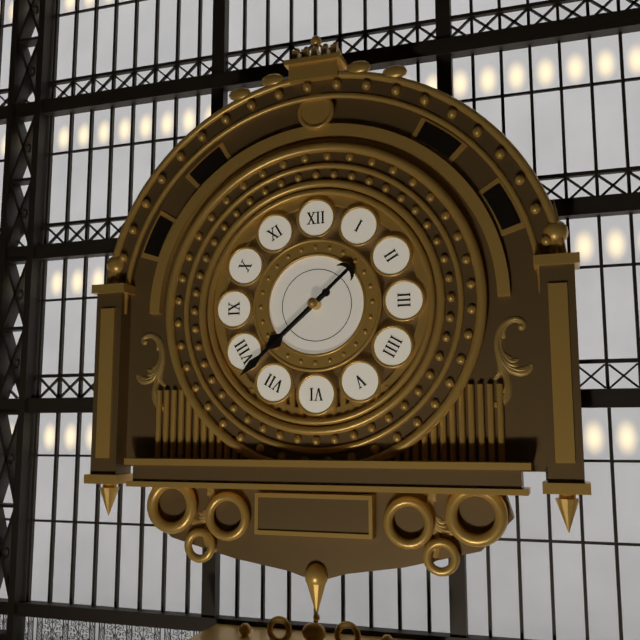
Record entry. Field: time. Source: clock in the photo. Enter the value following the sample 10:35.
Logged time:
7:38
